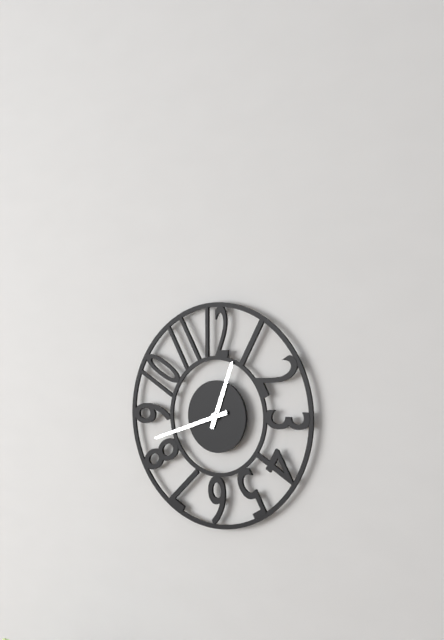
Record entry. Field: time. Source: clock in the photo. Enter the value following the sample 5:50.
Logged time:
12:42
